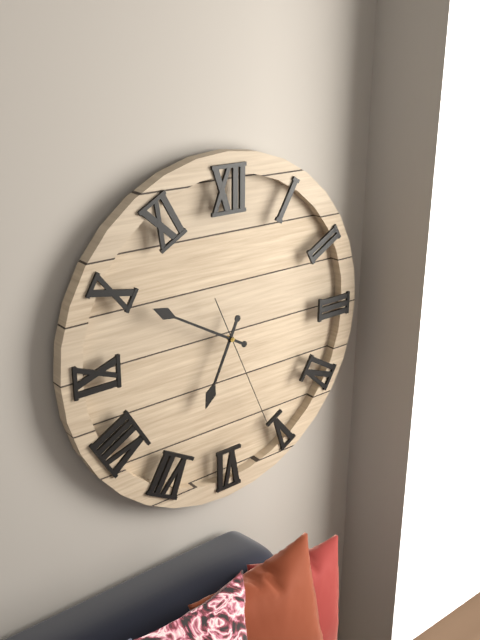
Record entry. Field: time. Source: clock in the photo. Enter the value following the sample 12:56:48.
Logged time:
6:50:26
